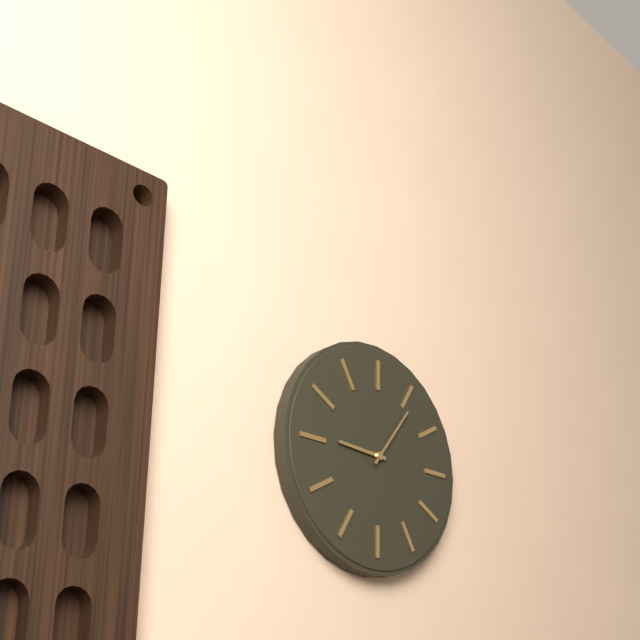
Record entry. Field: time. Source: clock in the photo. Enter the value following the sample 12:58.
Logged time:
9:06
